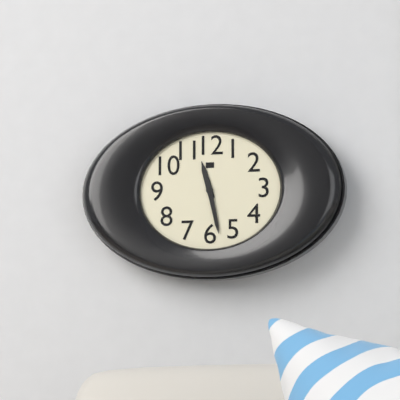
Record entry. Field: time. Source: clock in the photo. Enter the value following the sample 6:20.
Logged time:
11:28
